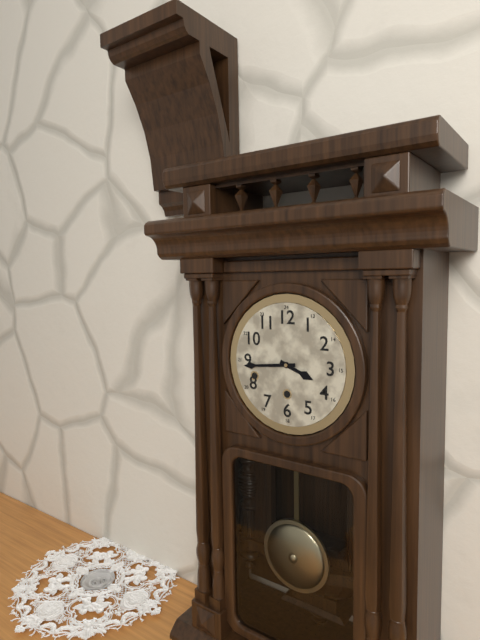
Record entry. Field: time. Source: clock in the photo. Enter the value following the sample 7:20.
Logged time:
3:44
